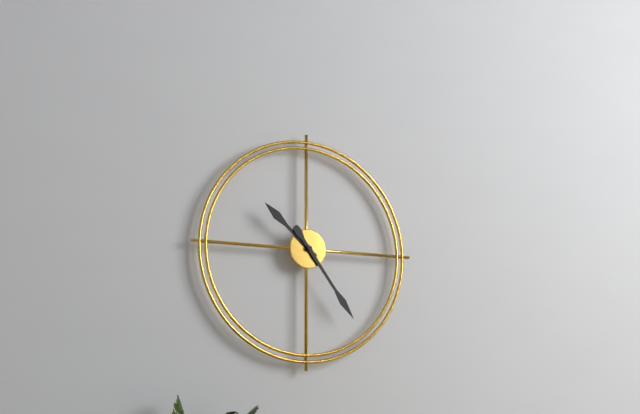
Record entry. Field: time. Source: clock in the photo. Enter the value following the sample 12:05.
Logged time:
10:24
